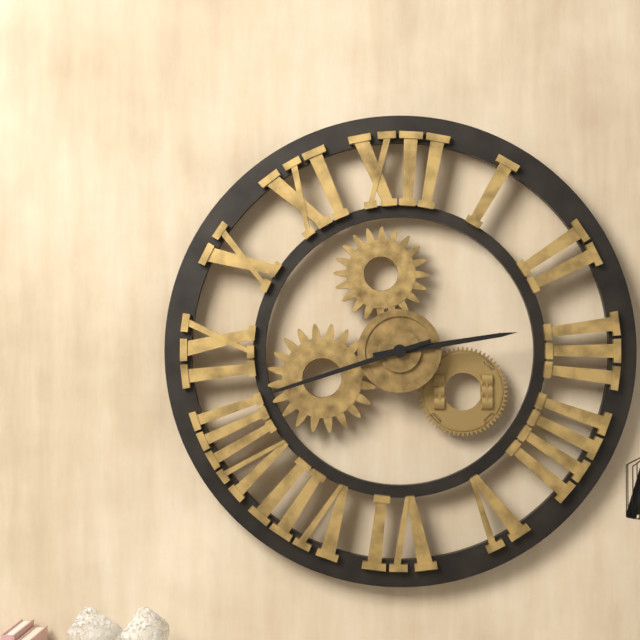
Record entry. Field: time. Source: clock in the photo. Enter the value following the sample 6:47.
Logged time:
2:42
